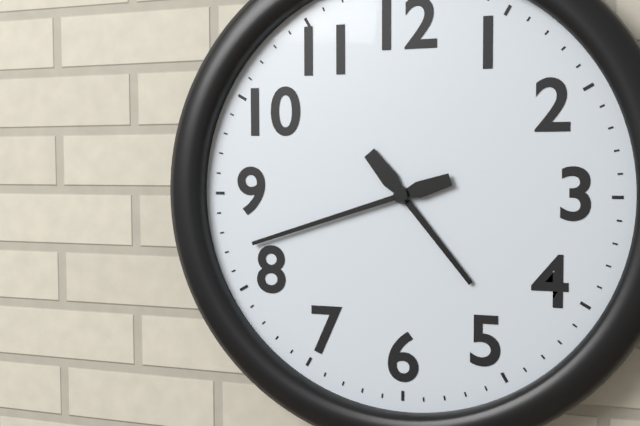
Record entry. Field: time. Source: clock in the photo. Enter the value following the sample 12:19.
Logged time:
4:42
